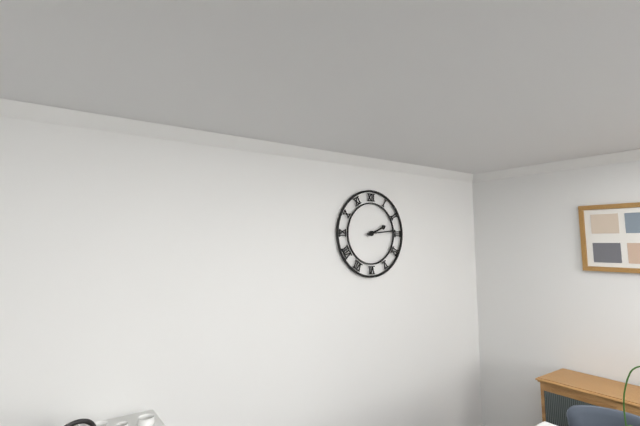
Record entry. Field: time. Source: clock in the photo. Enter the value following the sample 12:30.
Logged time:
2:14
